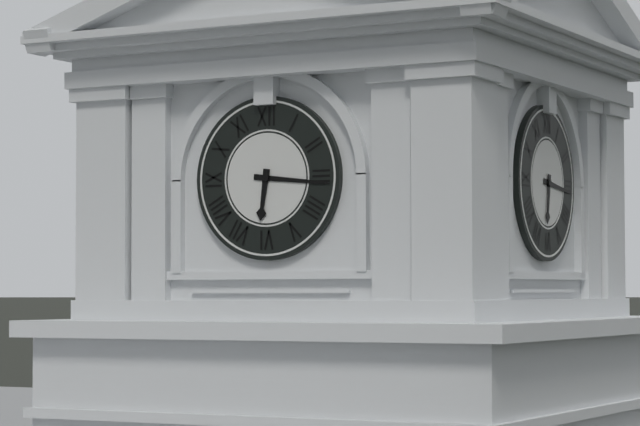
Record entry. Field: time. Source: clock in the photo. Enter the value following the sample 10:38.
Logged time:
6:16
